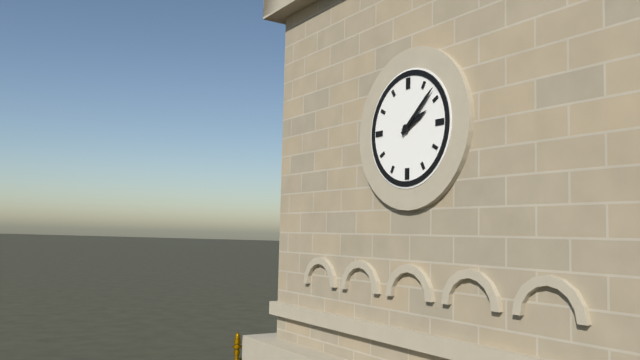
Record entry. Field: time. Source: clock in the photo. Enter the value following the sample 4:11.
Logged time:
2:08
